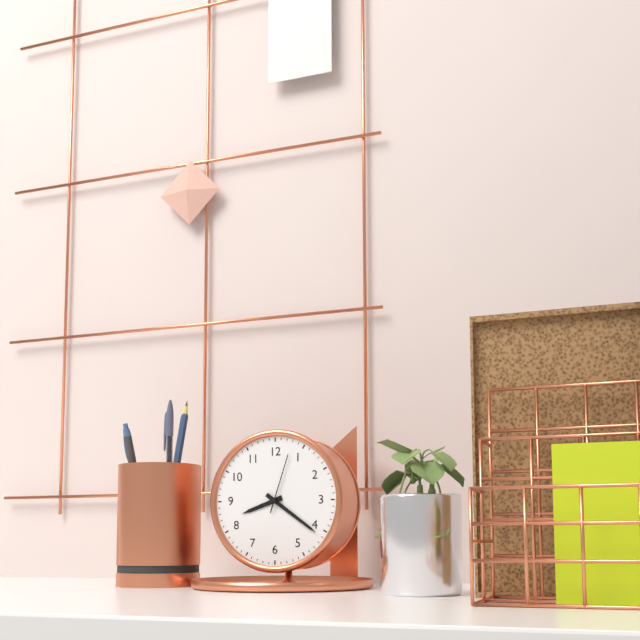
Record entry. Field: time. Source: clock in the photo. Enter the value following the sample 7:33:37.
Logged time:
8:21:03
